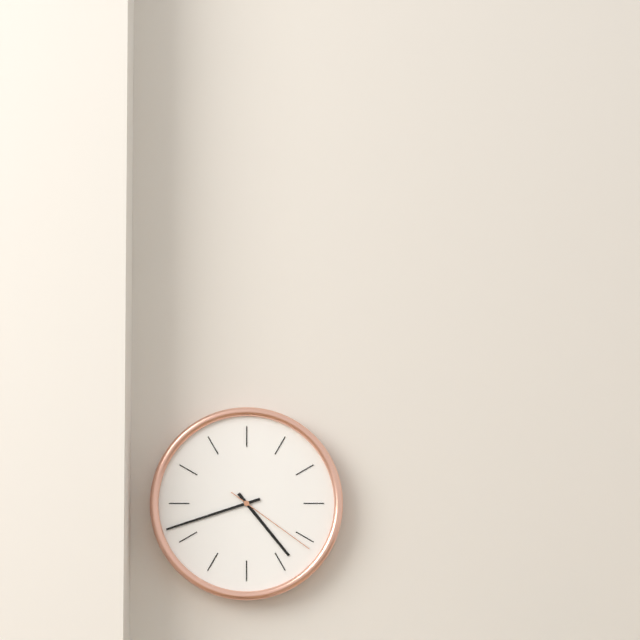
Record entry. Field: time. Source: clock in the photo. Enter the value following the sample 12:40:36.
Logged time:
4:42:21
